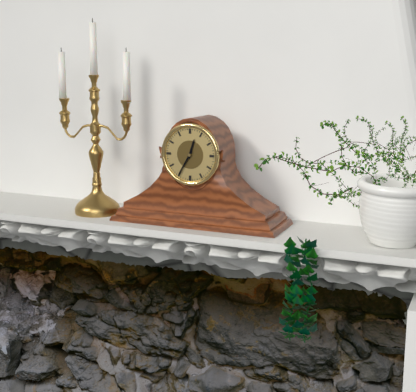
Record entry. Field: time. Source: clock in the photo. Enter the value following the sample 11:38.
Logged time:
12:35
